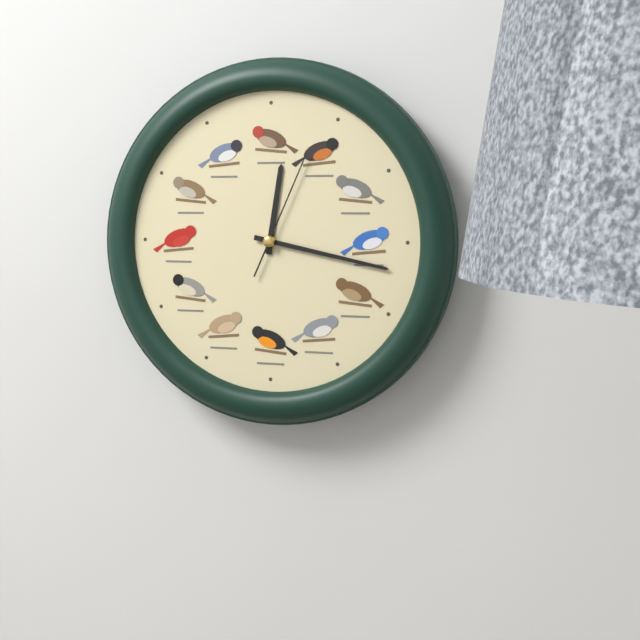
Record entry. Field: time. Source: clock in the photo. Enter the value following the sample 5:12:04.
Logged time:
12:17:04
